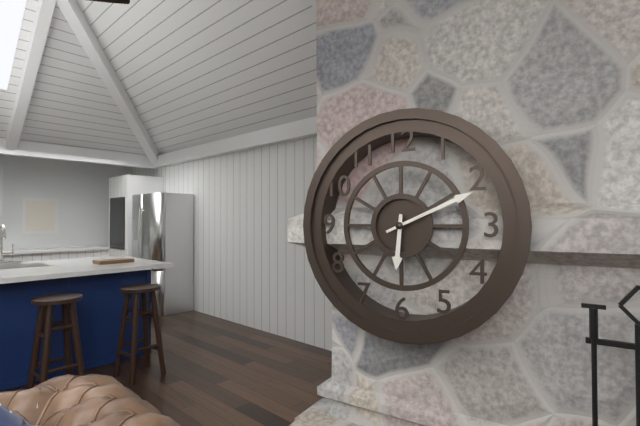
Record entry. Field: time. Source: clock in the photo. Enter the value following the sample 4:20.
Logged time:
6:11
